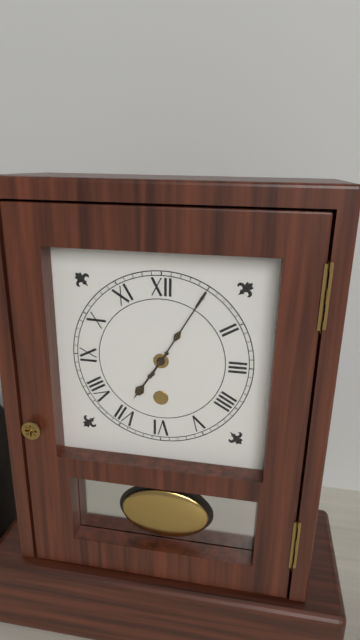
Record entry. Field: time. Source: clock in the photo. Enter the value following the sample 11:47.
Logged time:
7:05
